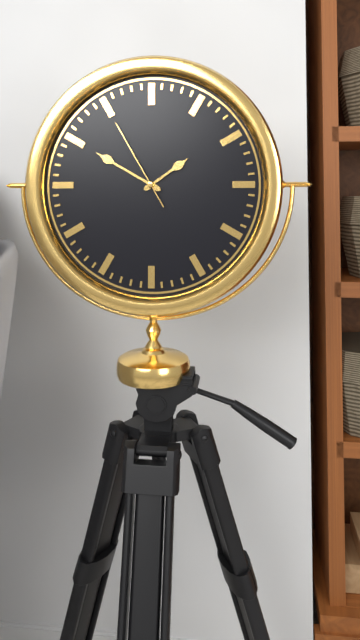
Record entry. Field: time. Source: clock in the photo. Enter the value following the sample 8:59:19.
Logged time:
1:50:55
